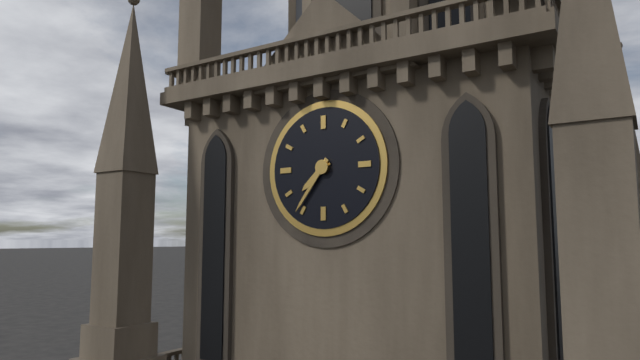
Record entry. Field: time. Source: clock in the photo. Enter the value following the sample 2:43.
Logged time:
7:36
